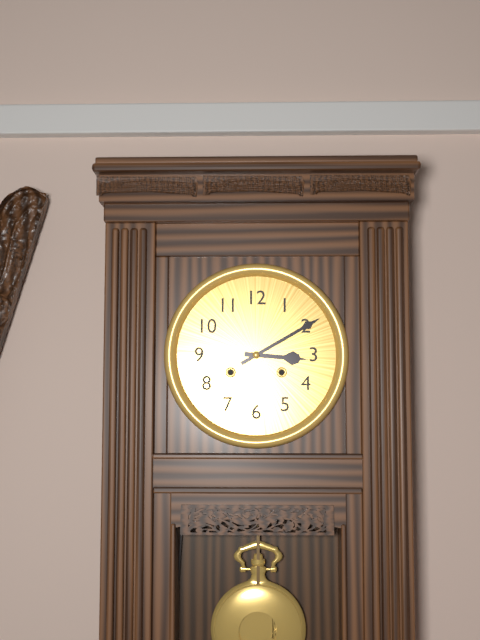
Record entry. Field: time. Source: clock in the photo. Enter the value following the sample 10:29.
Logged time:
3:10
